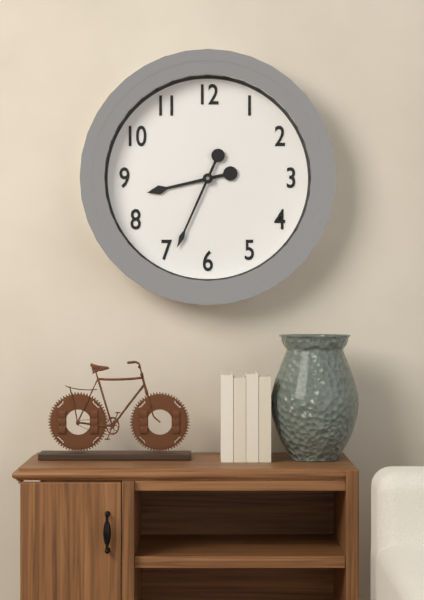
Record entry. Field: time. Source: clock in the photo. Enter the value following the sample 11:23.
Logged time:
8:34
